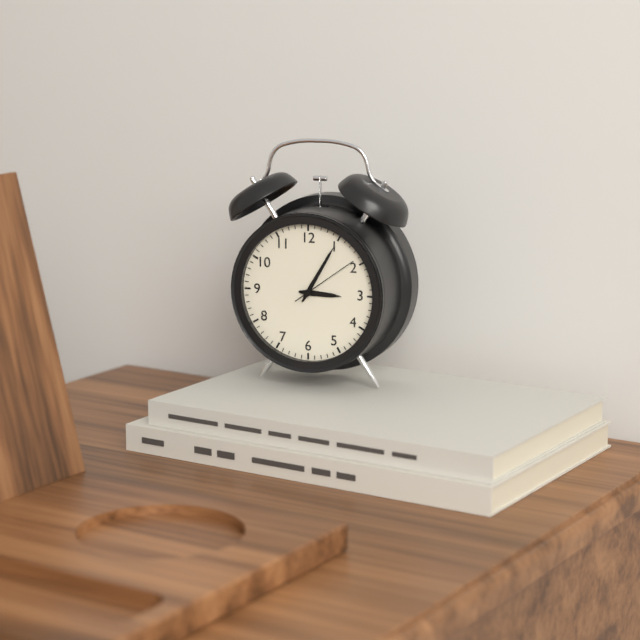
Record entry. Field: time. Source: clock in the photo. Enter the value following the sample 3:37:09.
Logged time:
3:05:09
